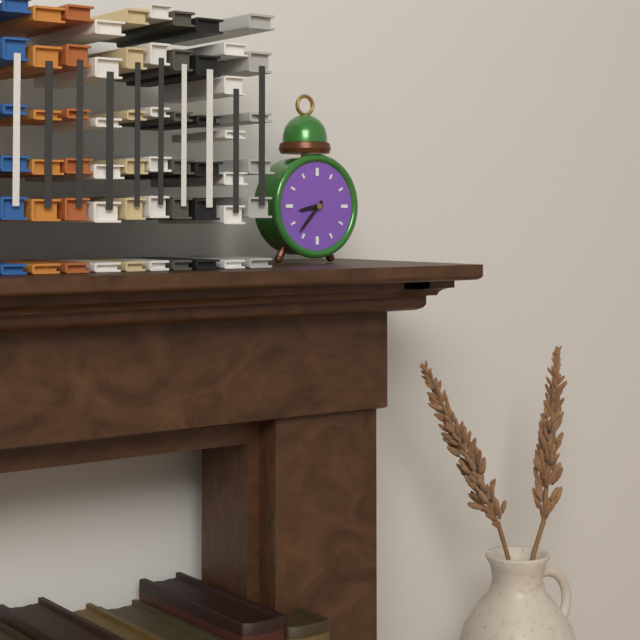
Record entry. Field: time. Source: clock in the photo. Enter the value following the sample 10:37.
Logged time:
8:37
